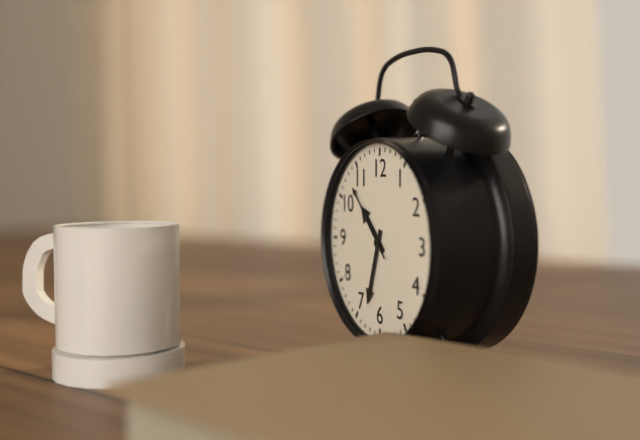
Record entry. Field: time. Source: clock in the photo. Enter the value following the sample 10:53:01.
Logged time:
10:33:53
